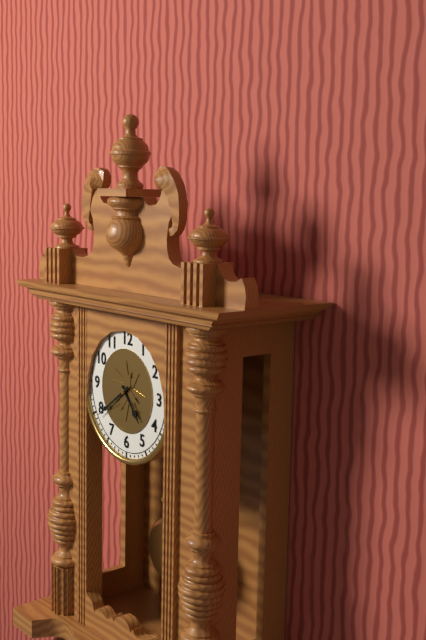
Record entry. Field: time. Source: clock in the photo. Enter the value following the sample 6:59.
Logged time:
4:39
